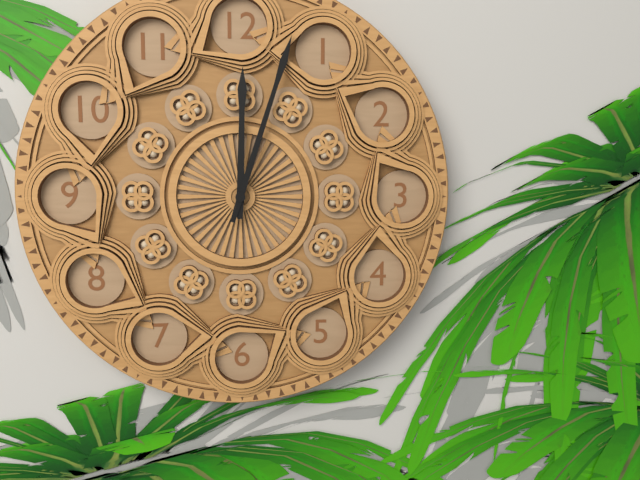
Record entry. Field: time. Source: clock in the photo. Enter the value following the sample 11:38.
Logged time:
12:03
